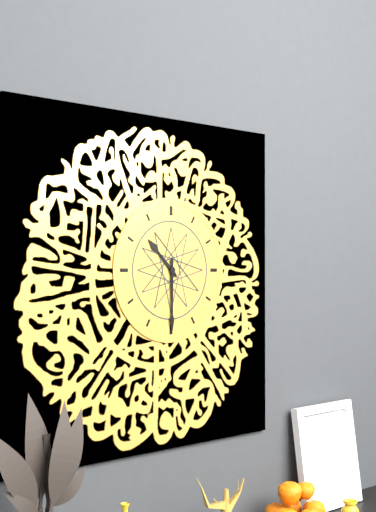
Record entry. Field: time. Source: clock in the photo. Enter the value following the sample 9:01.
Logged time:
10:30
